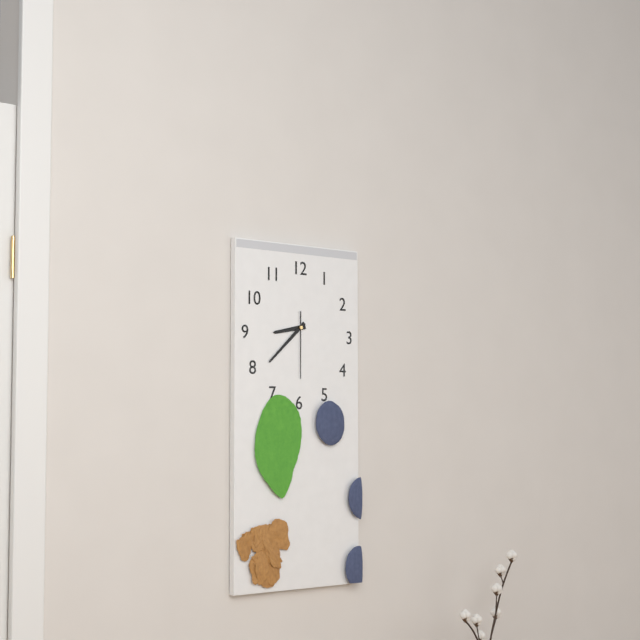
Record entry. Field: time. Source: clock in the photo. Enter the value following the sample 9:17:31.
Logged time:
8:38:30
